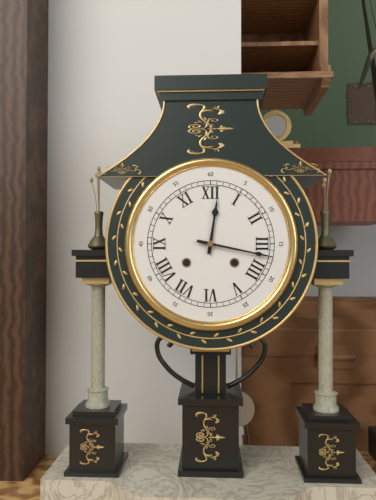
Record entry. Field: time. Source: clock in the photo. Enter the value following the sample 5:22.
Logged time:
12:17
